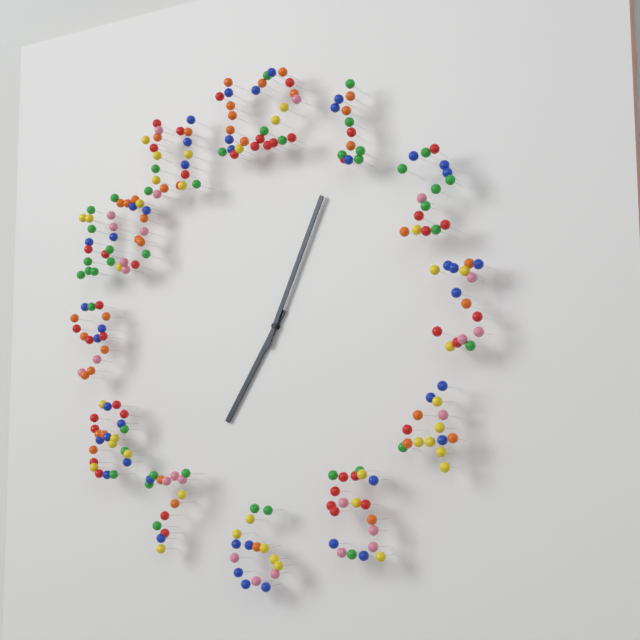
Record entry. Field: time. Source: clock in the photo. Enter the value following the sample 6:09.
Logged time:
7:04
